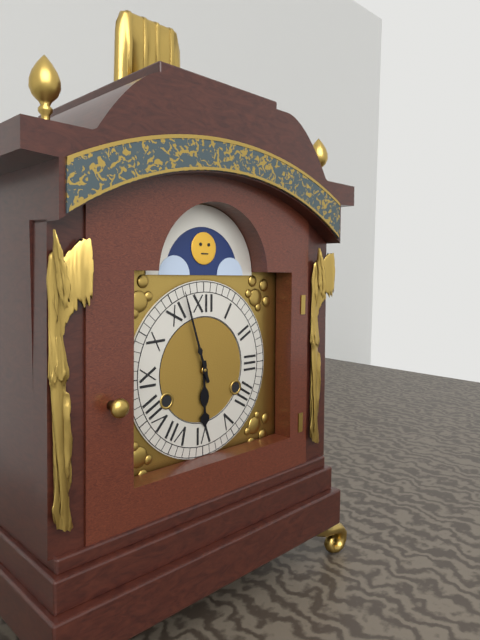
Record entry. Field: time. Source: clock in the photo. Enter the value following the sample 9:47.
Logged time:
5:57
